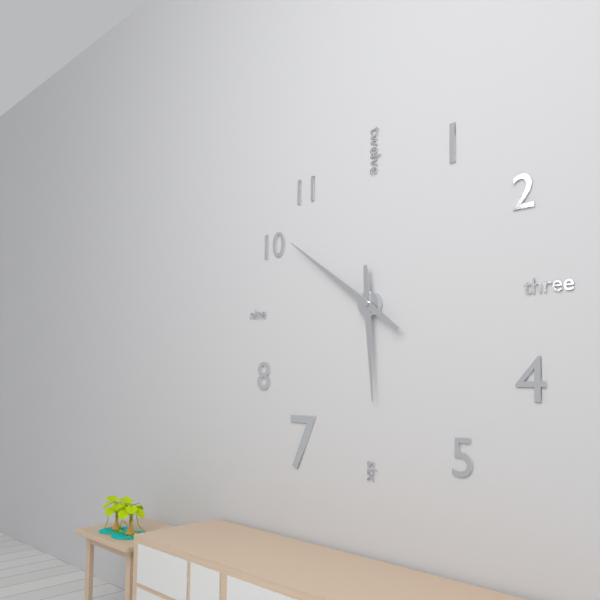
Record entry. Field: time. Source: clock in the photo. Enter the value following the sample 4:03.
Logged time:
5:51
